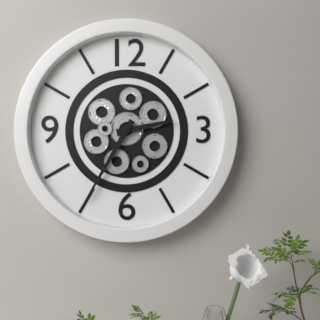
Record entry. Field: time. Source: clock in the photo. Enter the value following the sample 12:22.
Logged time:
2:35
